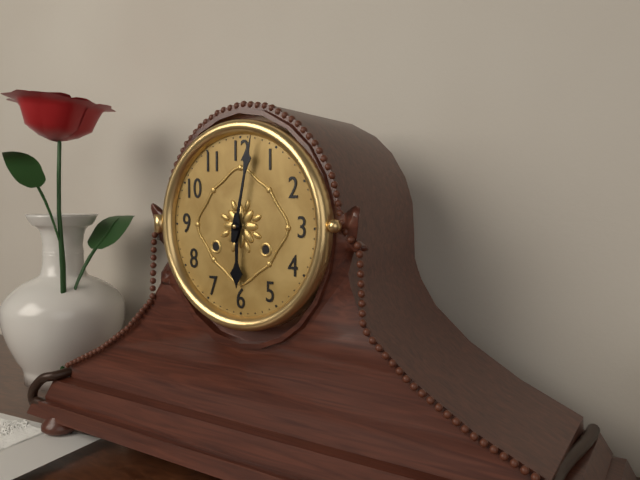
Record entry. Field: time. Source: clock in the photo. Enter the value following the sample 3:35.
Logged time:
6:02
